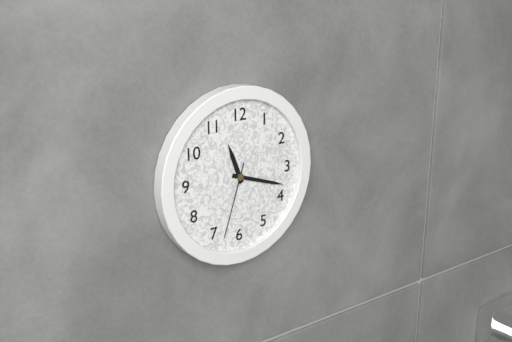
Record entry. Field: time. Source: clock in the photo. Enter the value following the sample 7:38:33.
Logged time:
11:18:33
